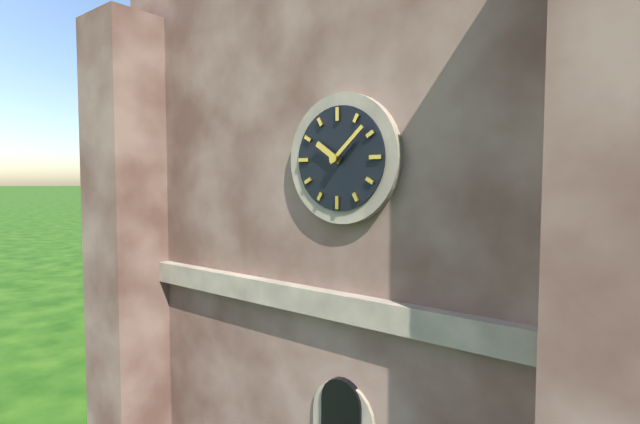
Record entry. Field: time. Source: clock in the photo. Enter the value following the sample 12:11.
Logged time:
10:08
